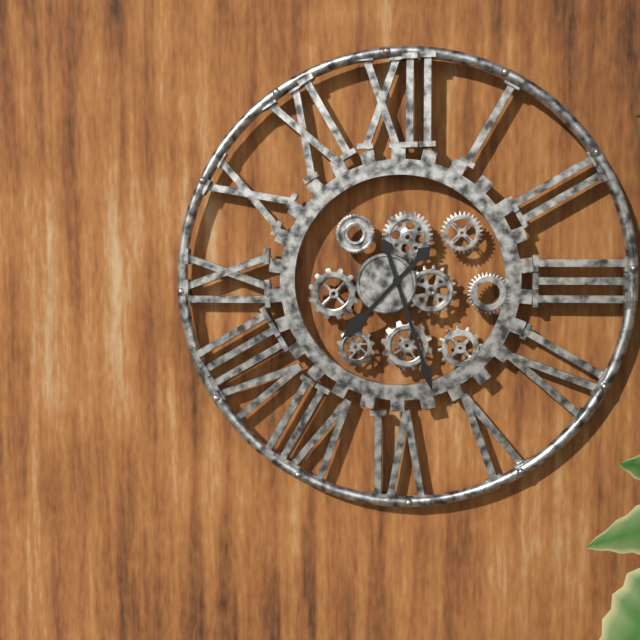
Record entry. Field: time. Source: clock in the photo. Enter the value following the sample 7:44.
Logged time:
7:27
